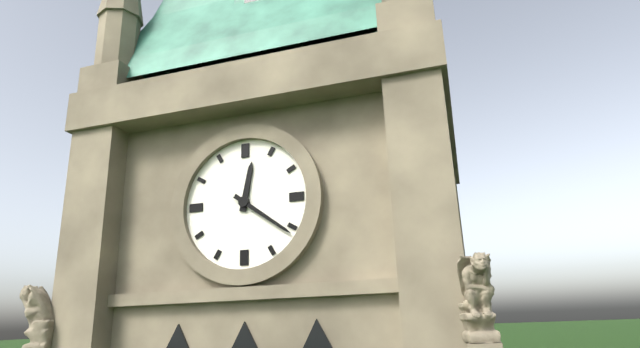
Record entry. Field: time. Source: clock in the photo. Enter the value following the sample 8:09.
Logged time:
12:21
